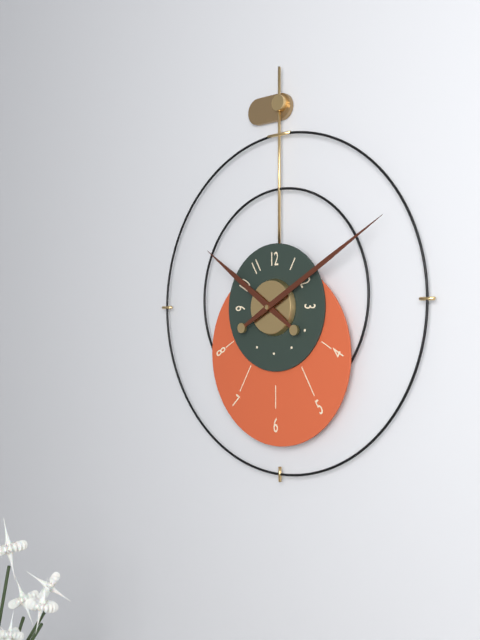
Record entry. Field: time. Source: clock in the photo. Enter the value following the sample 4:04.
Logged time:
10:10
